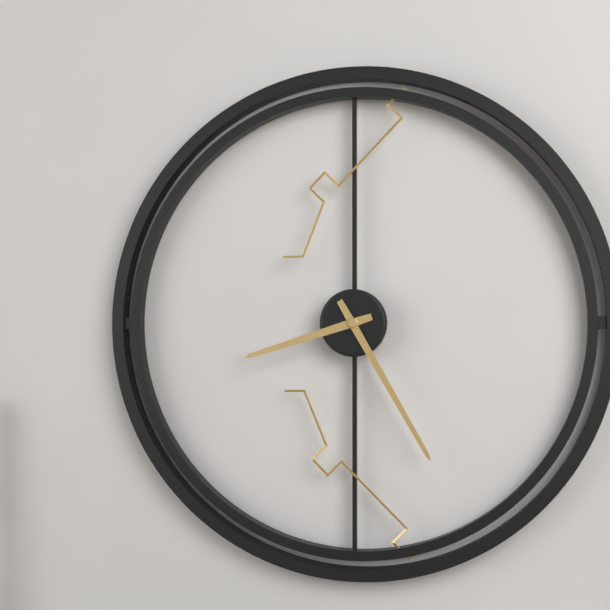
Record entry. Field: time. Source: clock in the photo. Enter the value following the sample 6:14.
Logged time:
8:25
